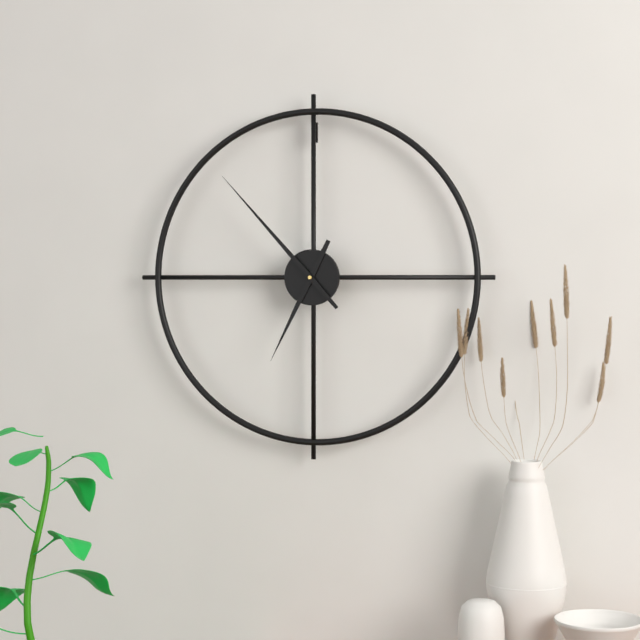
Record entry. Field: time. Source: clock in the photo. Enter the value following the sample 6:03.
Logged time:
6:53
